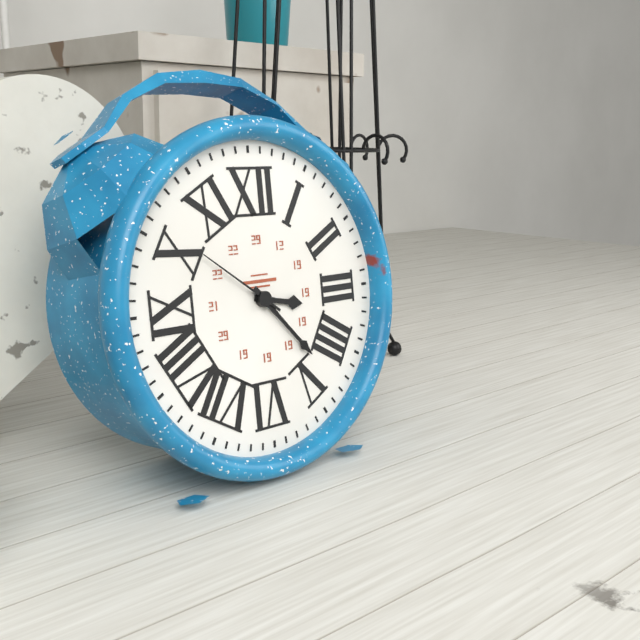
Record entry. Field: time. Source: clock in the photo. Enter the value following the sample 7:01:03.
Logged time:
3:23:51
